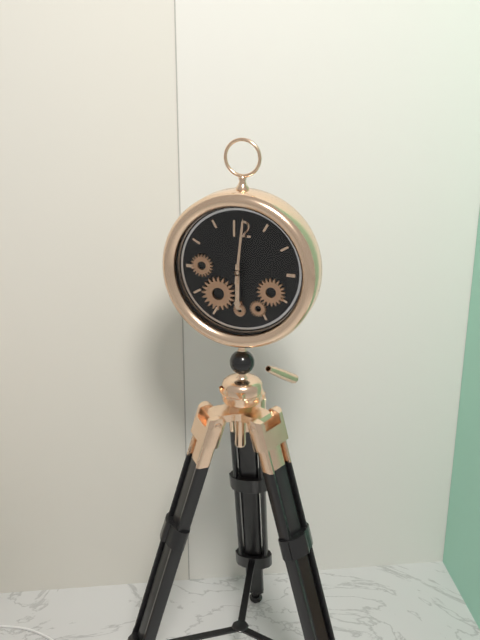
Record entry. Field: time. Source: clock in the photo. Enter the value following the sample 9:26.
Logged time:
6:01
